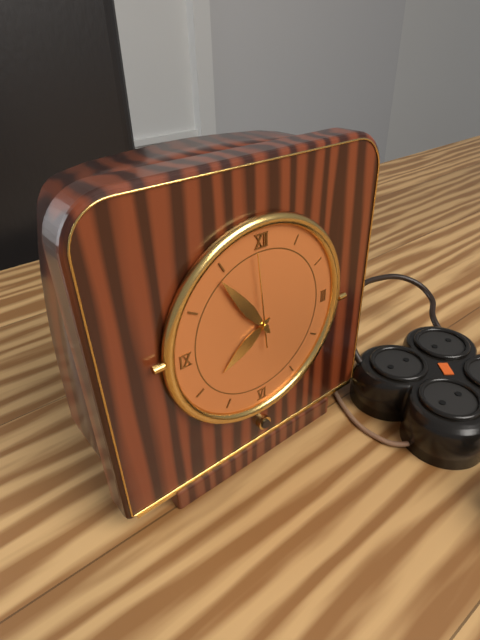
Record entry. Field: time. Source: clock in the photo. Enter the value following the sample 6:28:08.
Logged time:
7:54:59
